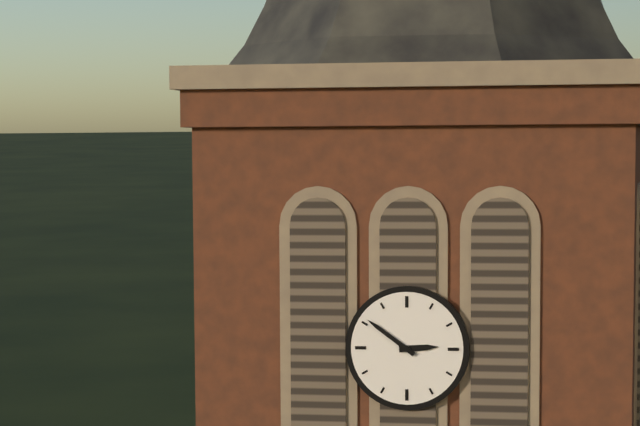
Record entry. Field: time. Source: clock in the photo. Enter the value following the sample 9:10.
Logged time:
2:51
